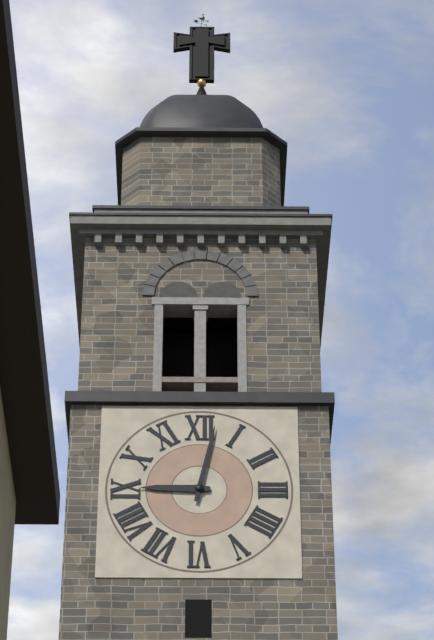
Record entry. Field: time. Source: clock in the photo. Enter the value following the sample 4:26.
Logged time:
9:02
